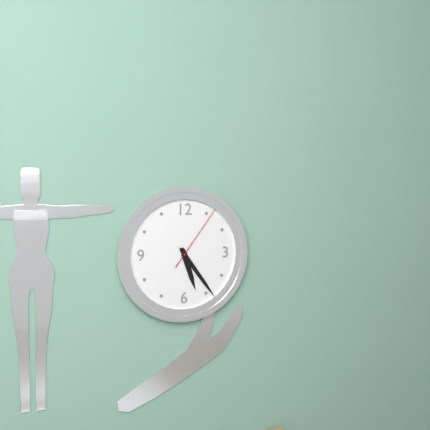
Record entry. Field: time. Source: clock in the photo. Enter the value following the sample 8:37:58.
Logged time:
5:24:06
